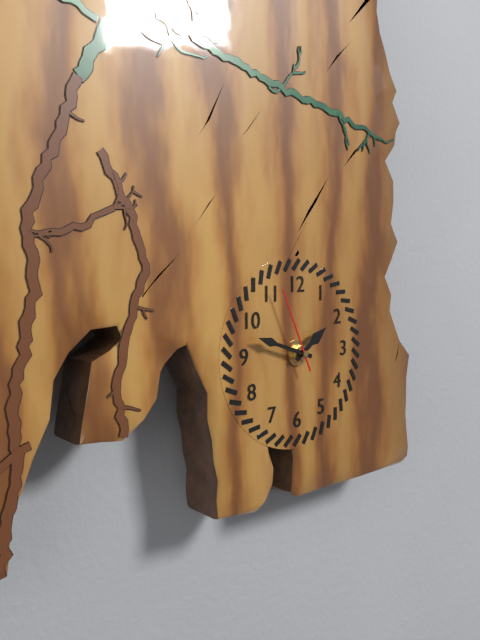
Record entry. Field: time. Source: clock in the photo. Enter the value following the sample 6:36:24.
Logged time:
1:48:56
